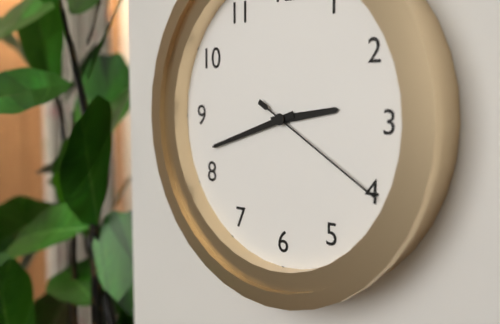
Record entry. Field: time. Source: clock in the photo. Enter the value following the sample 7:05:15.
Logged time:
2:42:20
